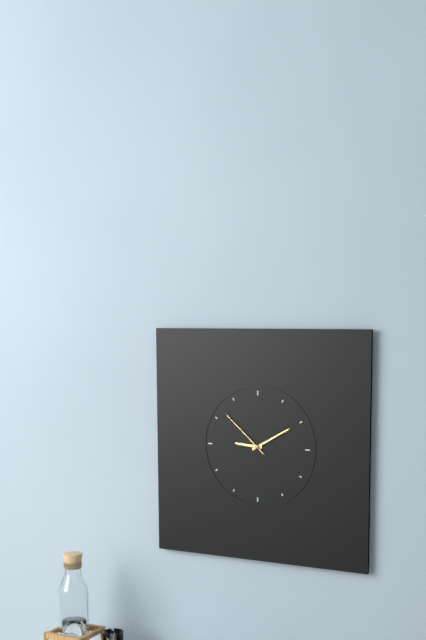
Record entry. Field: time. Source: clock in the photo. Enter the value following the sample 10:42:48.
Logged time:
9:10:52
